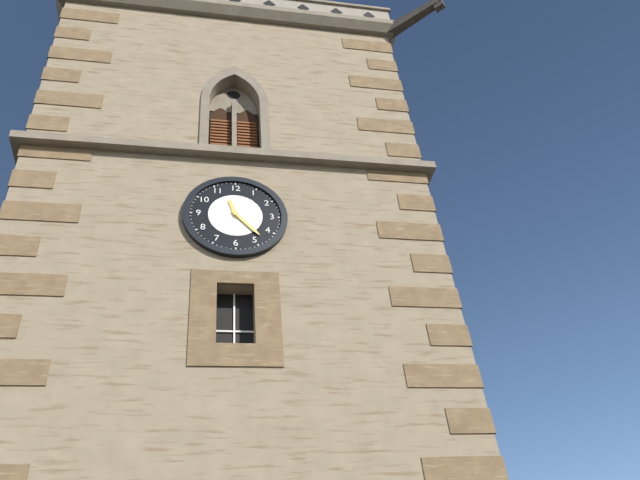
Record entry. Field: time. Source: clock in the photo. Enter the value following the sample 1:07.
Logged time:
11:23
